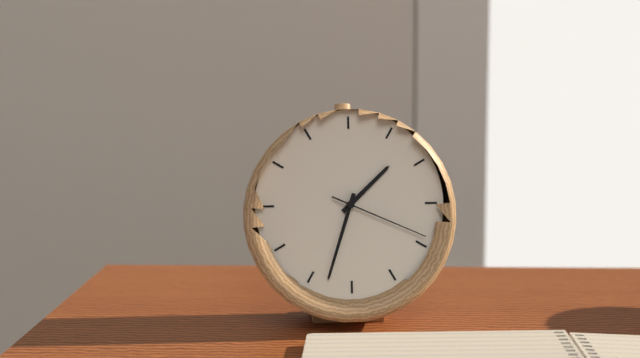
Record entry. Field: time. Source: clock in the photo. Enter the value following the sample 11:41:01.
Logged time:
1:33:19
